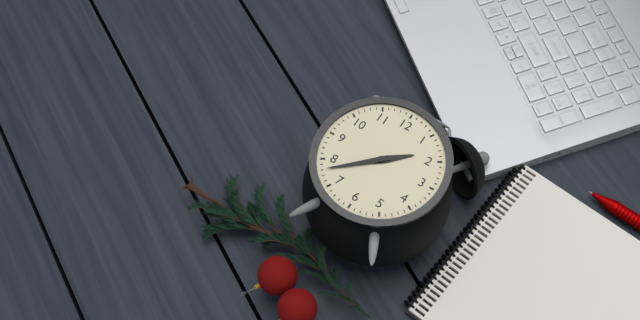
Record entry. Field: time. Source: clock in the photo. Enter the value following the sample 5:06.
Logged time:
1:38
